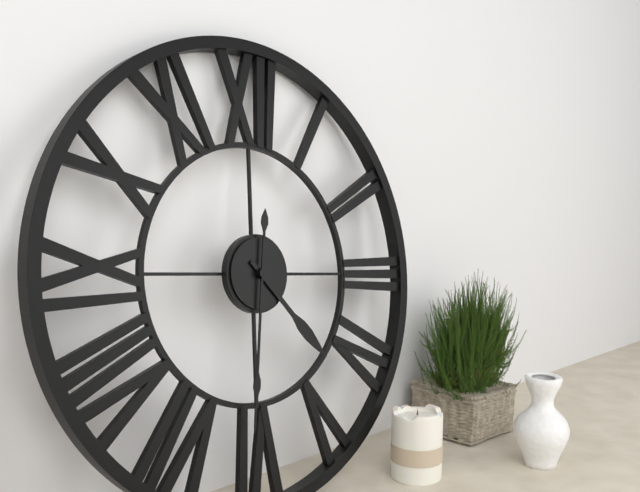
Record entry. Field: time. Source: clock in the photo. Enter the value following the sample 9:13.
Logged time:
4:31
